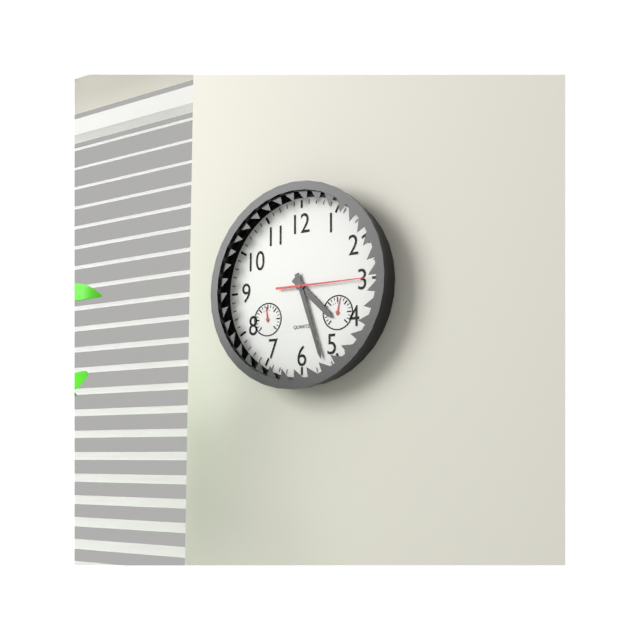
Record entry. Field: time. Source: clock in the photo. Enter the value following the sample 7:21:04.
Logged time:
4:27:15
